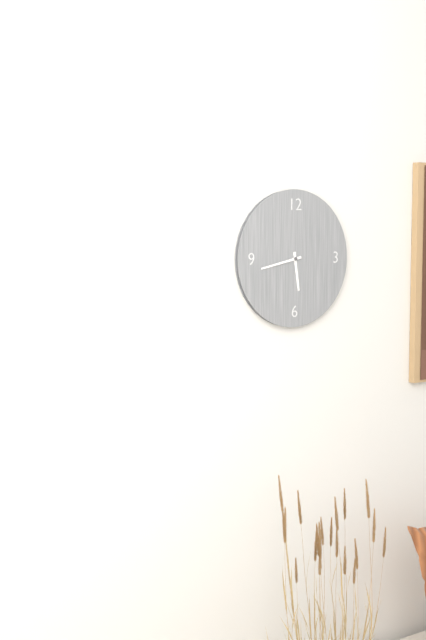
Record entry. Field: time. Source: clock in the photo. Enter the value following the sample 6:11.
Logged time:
5:43
